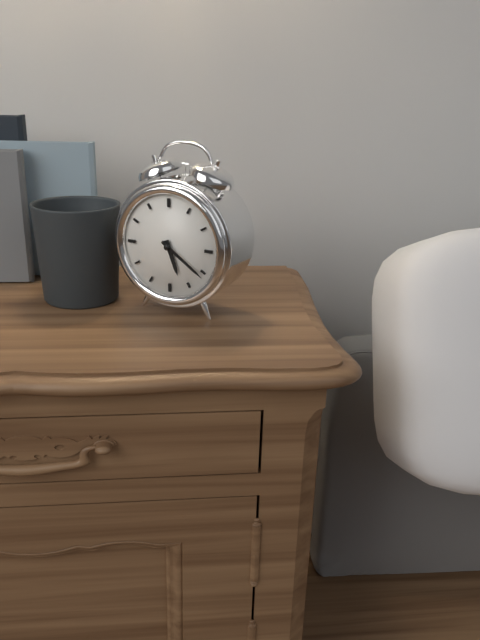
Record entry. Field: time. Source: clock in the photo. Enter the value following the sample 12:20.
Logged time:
5:21
